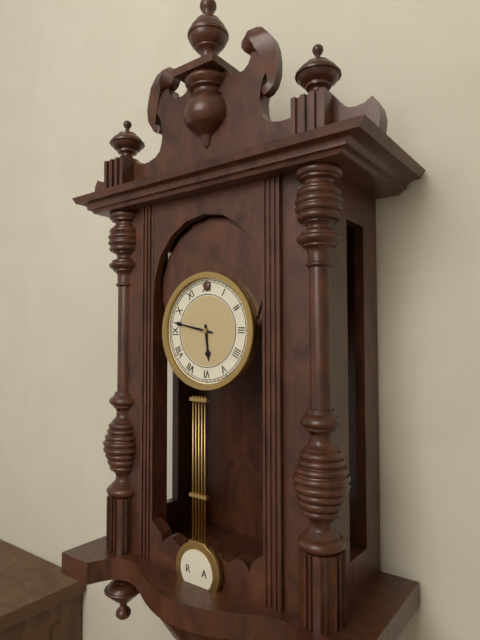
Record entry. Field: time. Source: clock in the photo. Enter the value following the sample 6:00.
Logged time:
5:47
